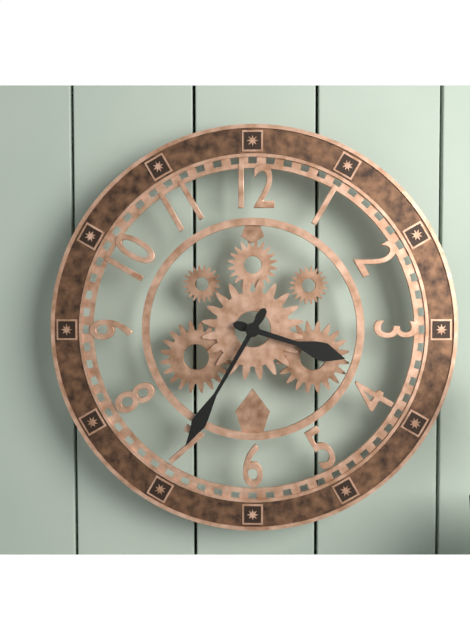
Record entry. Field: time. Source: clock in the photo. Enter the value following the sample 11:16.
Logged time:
3:35
